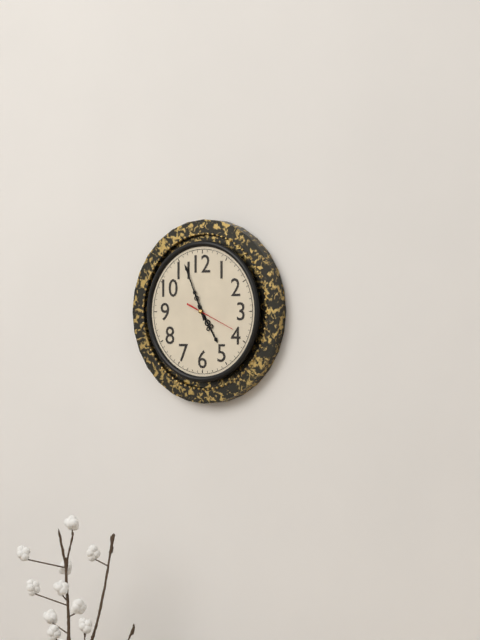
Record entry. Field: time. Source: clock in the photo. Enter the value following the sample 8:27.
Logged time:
4:56
